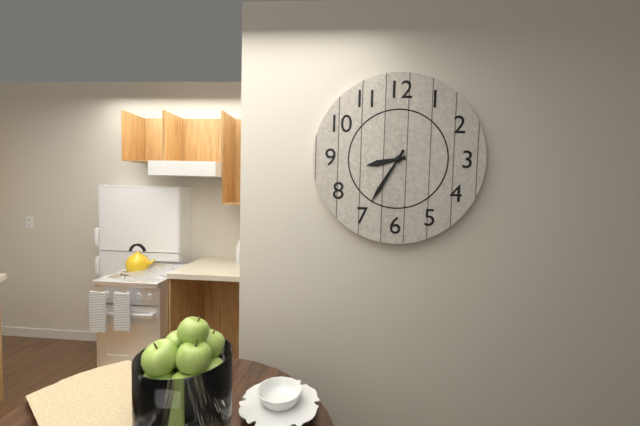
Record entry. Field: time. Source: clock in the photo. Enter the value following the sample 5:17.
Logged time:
8:35
